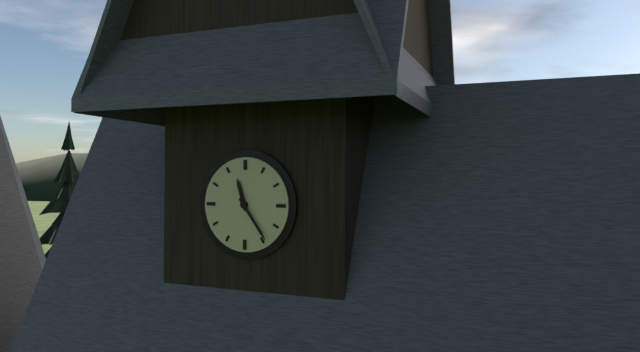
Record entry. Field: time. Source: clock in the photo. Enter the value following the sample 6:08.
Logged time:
11:24
